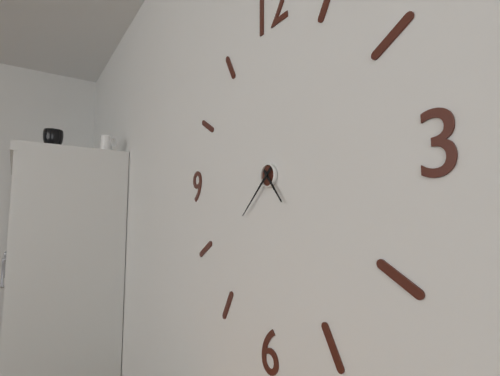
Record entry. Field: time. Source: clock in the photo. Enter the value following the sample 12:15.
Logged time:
4:38
